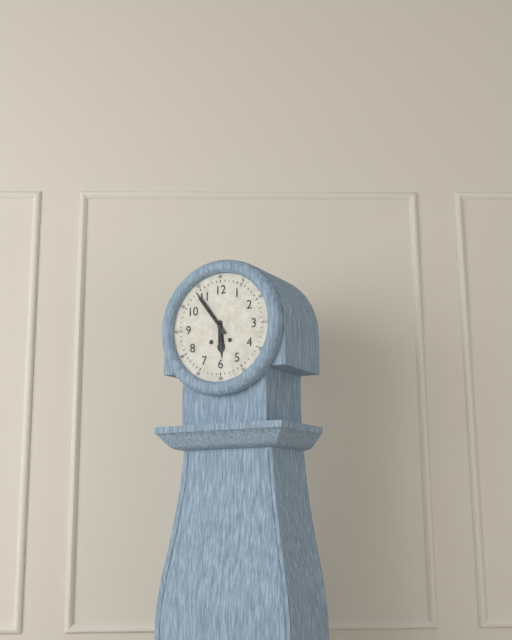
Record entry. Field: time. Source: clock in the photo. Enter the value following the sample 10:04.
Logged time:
5:54
